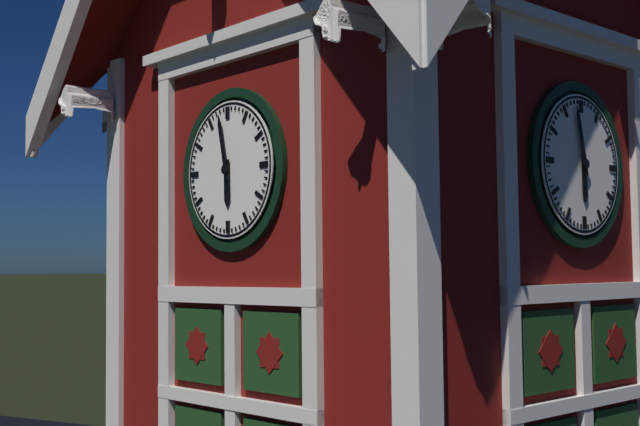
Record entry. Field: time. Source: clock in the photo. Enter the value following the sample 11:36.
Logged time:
5:58
